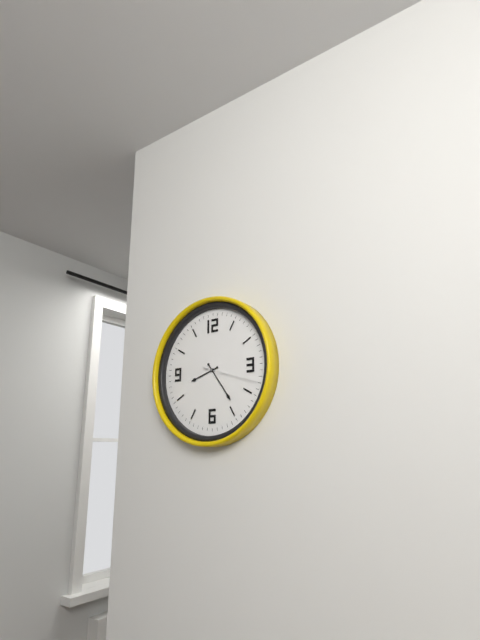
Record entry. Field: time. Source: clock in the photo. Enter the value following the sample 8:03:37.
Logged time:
8:24:18
